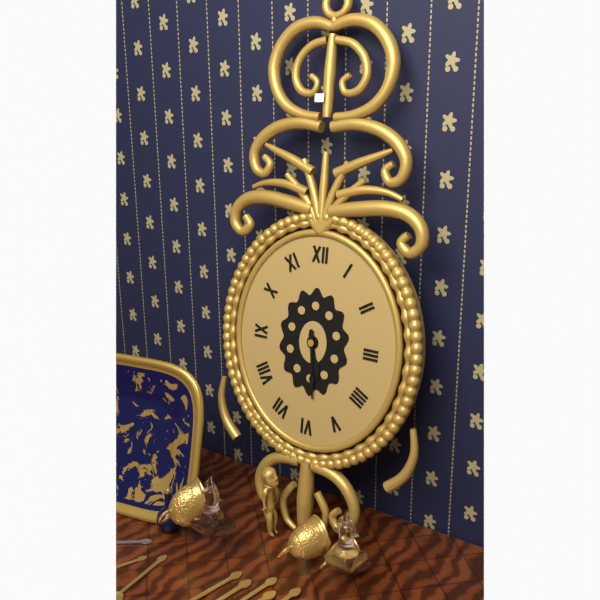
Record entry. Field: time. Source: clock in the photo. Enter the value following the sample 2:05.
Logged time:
5:29
